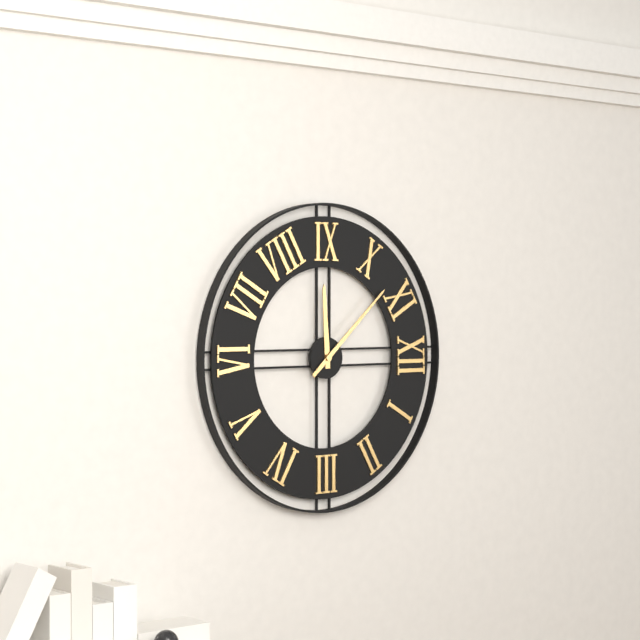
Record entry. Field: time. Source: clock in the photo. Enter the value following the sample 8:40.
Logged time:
8:53
